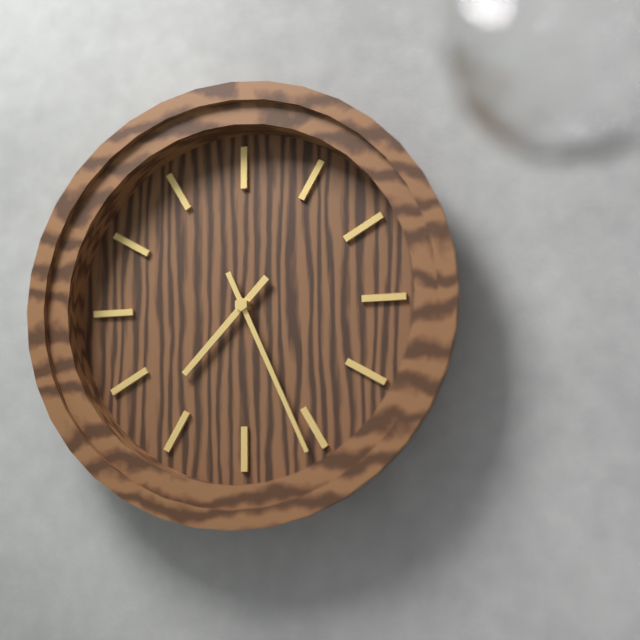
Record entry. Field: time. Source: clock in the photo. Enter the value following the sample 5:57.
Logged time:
7:26
